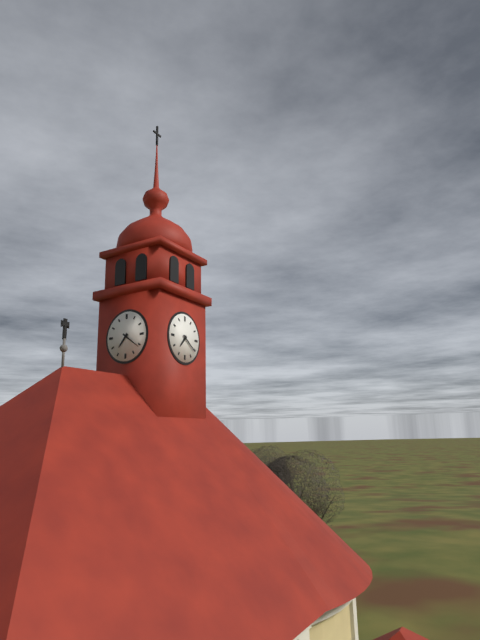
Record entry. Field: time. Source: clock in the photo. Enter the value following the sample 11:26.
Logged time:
7:21
